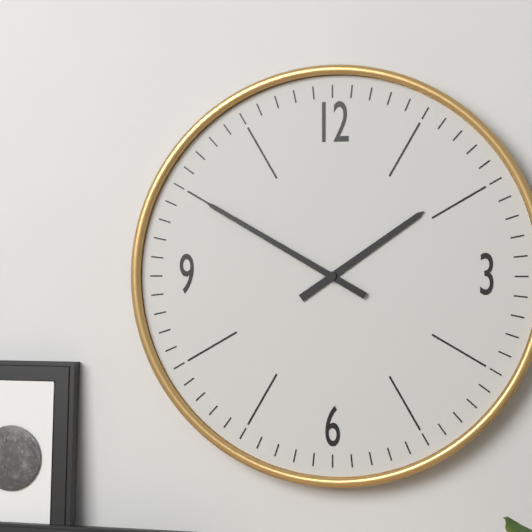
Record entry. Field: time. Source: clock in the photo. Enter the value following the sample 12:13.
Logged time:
1:50
